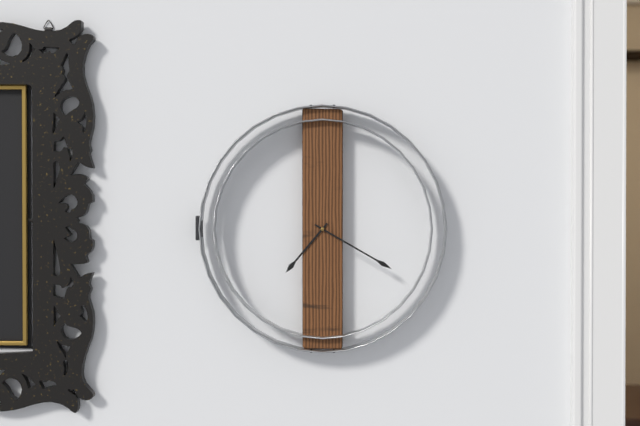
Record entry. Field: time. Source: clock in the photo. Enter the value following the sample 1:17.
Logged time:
7:20
